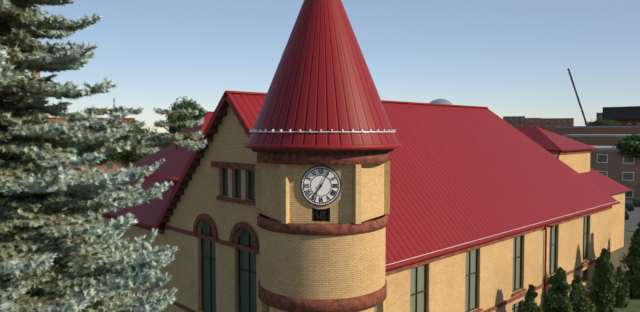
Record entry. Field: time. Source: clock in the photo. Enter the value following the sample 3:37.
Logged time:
7:05
